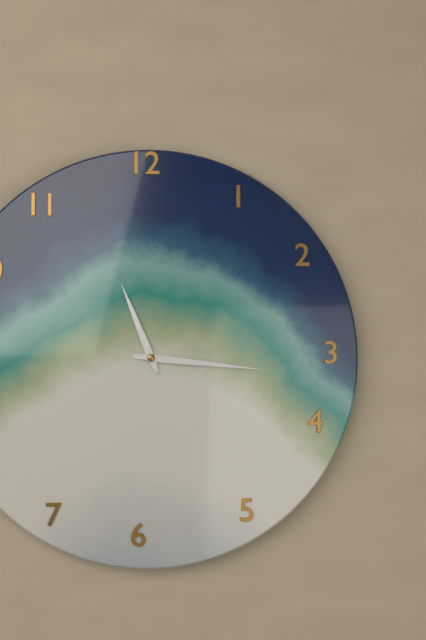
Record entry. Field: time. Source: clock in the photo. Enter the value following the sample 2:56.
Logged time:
11:16
